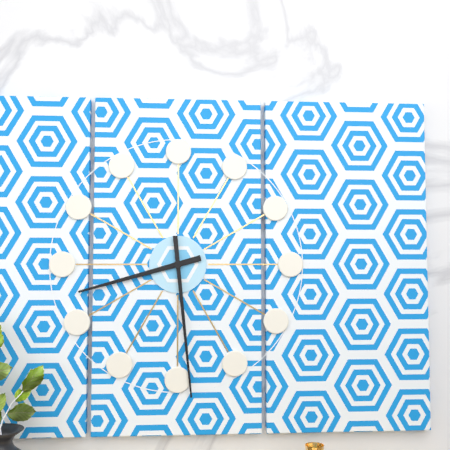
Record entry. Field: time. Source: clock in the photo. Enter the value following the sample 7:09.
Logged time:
8:29
